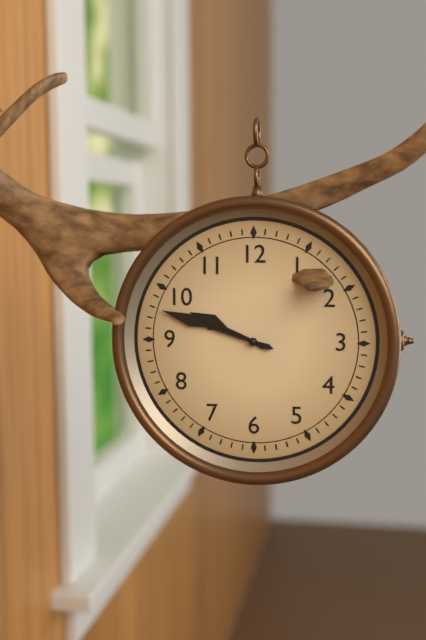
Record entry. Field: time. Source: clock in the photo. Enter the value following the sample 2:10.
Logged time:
9:48
